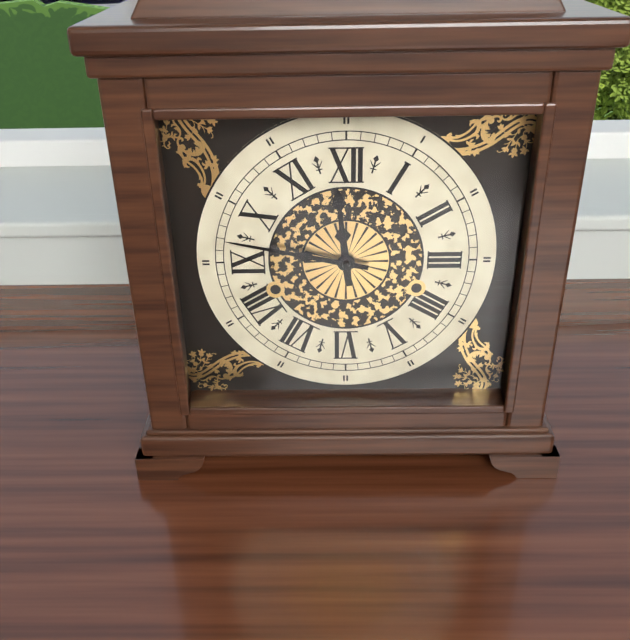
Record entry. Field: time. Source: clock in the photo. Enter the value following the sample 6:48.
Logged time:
11:47
